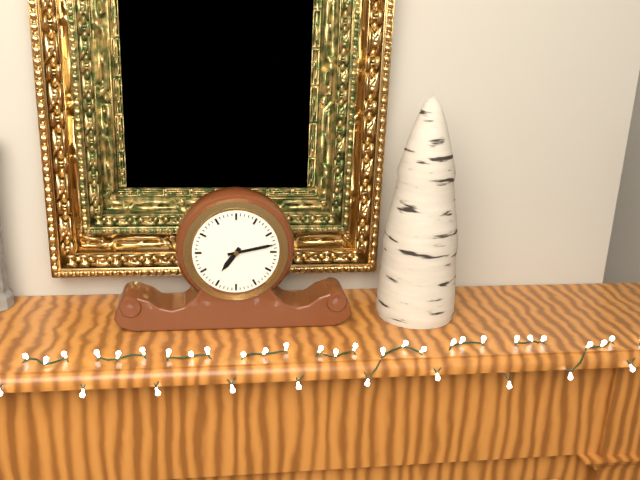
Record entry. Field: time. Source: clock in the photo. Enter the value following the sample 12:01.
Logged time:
7:13
